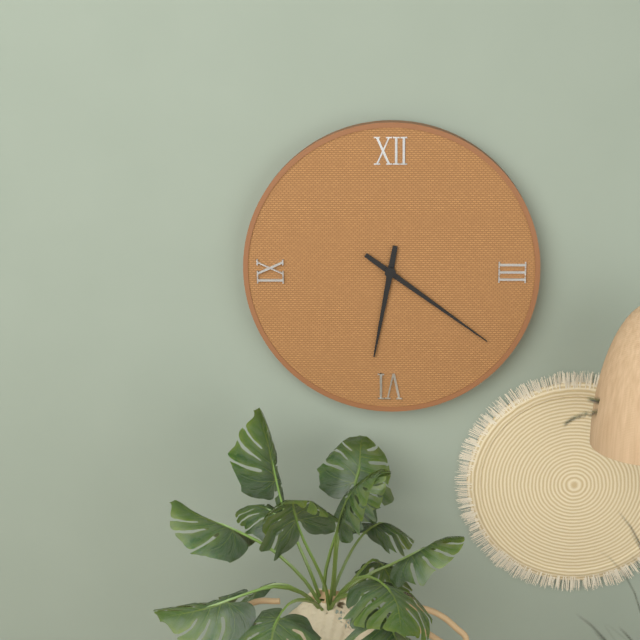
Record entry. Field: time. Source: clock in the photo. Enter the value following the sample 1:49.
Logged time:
6:21
